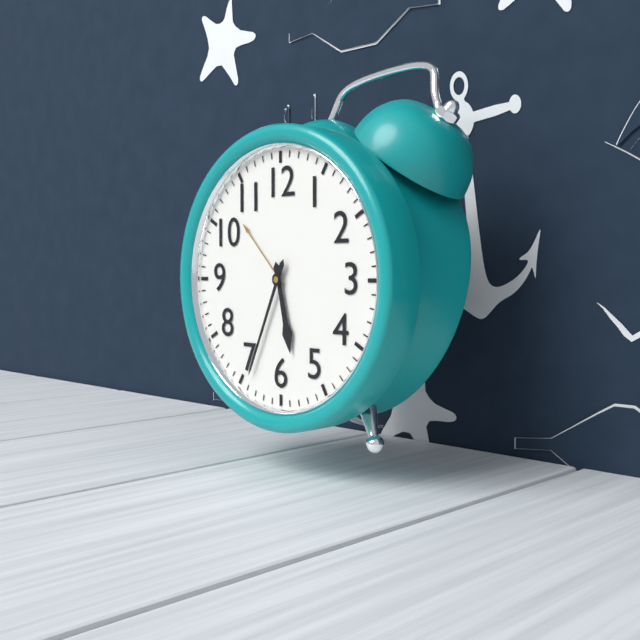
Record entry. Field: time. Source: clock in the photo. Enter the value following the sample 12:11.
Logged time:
5:34
